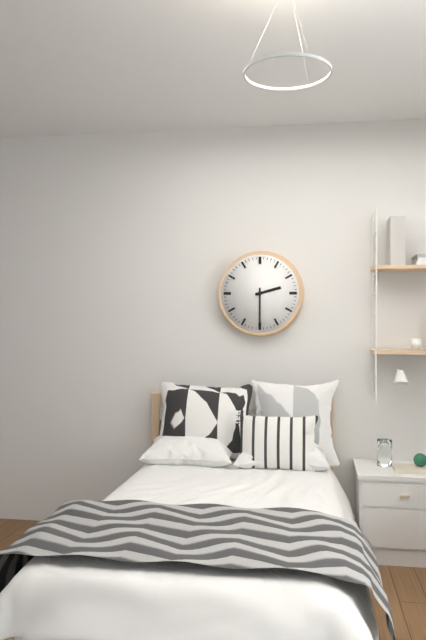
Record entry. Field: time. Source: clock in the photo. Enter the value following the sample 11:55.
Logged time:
2:30
